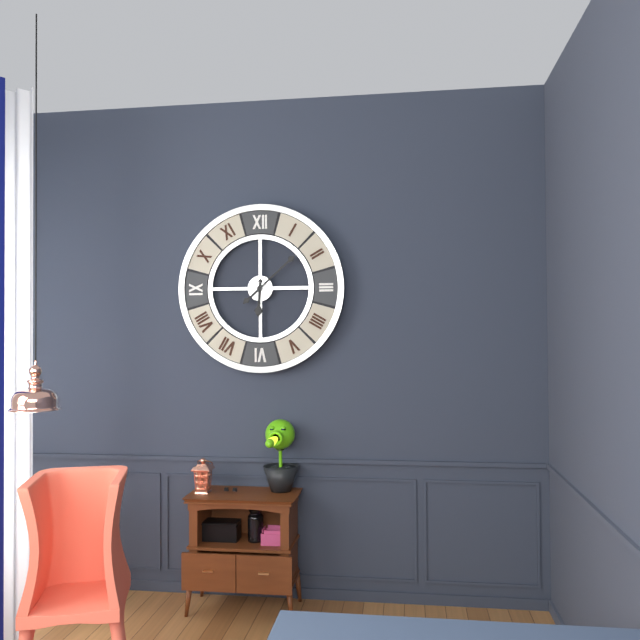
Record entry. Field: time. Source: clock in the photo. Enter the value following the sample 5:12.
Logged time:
6:08
